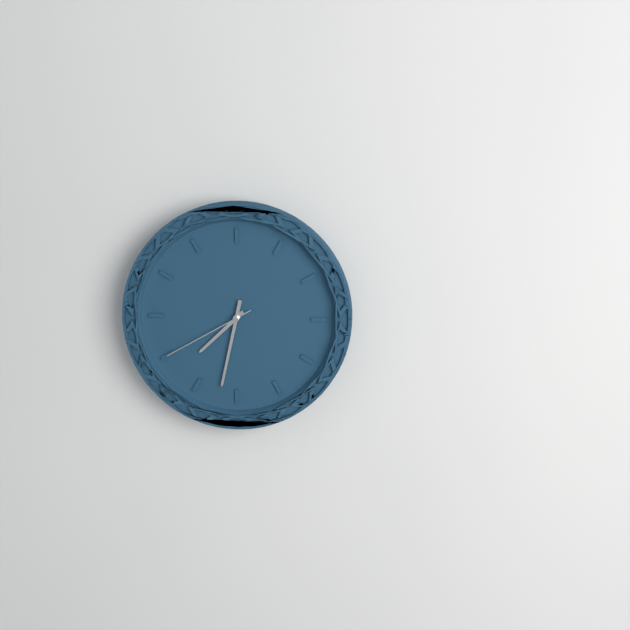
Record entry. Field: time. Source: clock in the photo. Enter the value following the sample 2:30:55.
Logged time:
7:32:40
